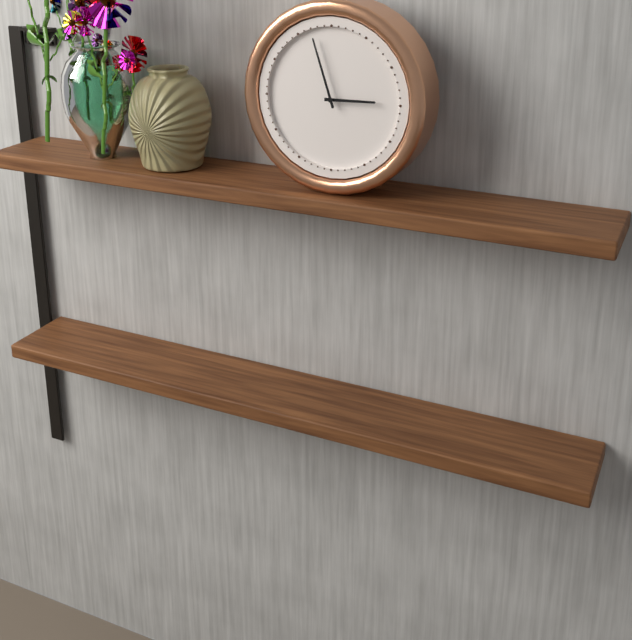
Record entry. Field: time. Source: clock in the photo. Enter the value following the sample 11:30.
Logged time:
2:57
